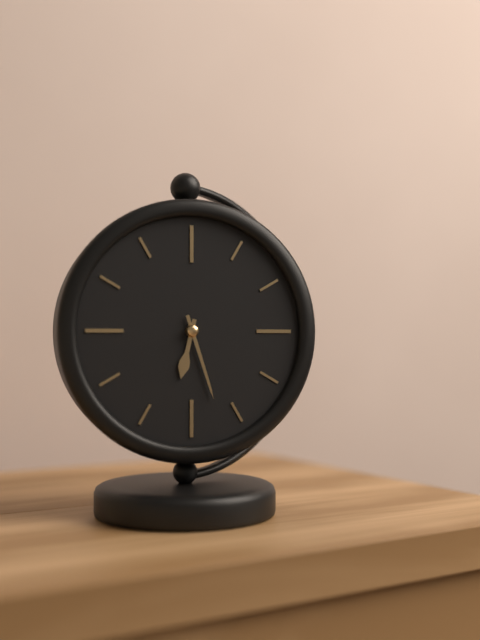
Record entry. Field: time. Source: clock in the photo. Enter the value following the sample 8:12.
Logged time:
6:27
